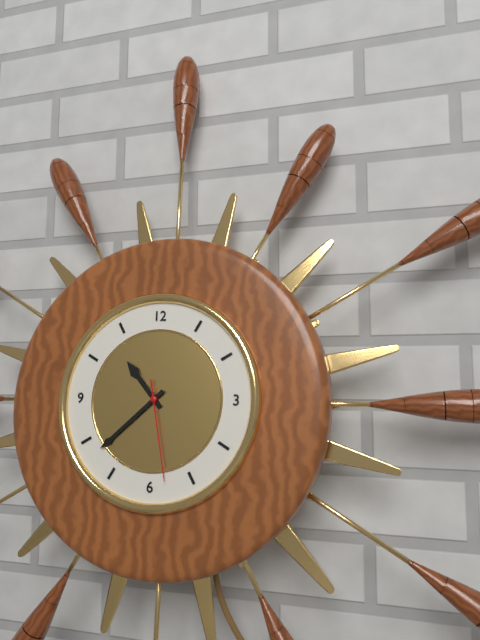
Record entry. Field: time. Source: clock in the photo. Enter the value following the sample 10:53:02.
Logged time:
10:38:28
